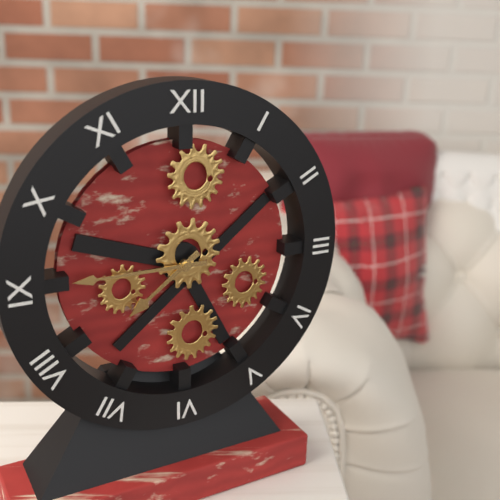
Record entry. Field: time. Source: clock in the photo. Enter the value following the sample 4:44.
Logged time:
7:45
